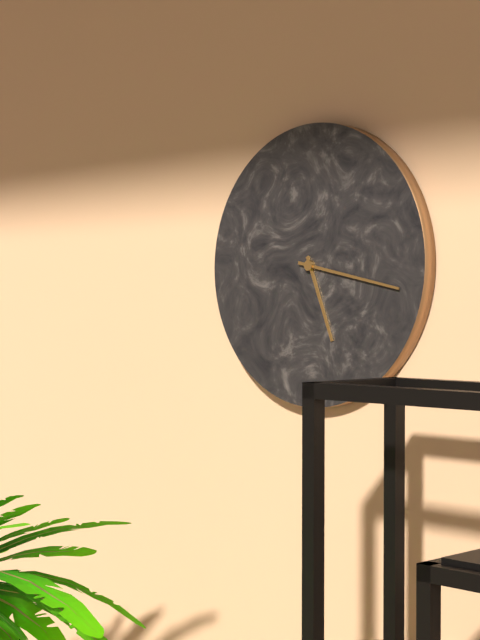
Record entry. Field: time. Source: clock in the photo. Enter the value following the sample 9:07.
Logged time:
5:17
